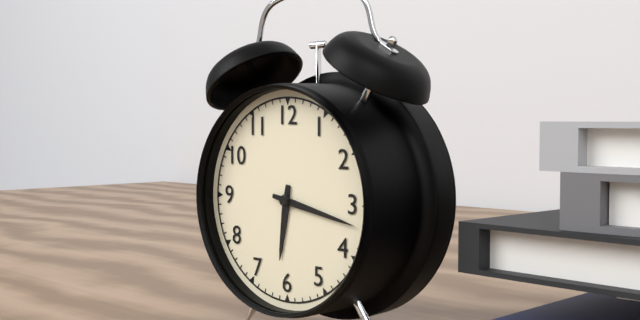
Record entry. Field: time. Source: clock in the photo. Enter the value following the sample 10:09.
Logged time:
6:17
